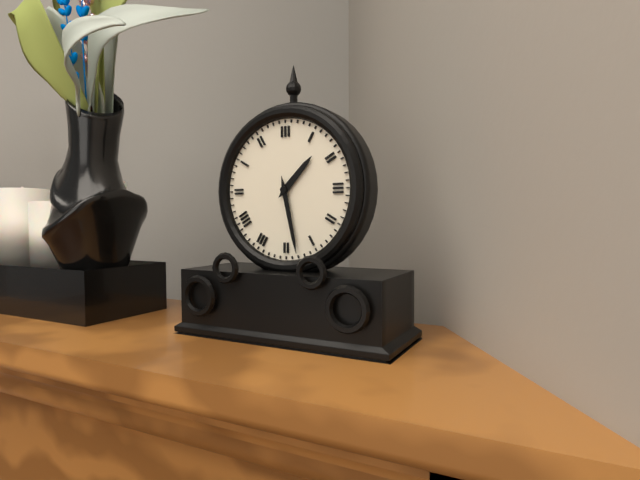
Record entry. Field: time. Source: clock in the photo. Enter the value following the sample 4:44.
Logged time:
1:28
